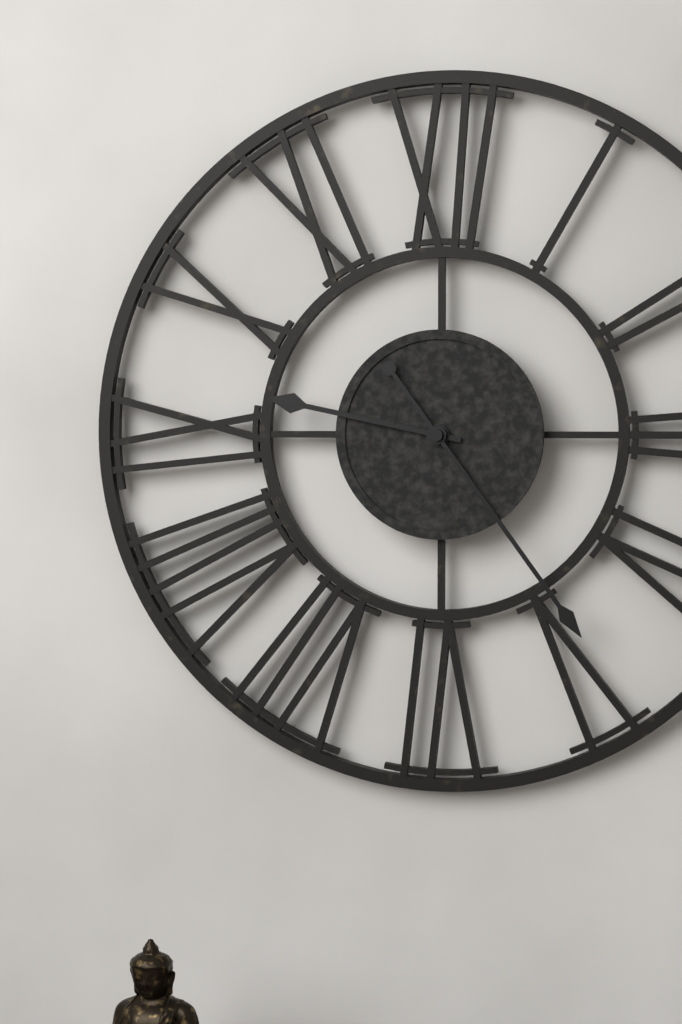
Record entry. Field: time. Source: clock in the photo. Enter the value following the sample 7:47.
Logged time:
9:24
